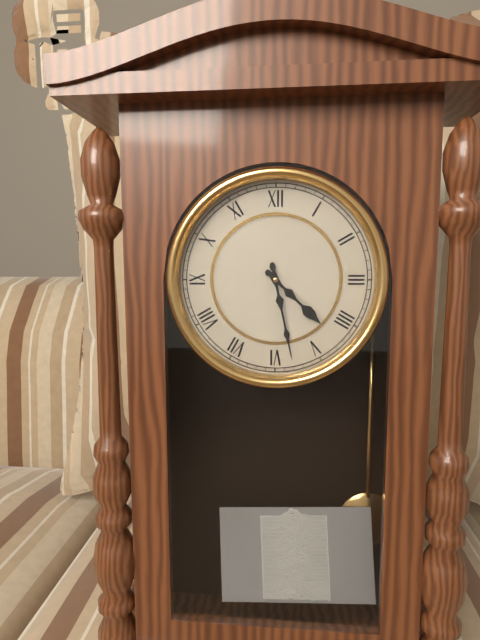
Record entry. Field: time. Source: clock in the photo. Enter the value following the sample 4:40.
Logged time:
4:28
